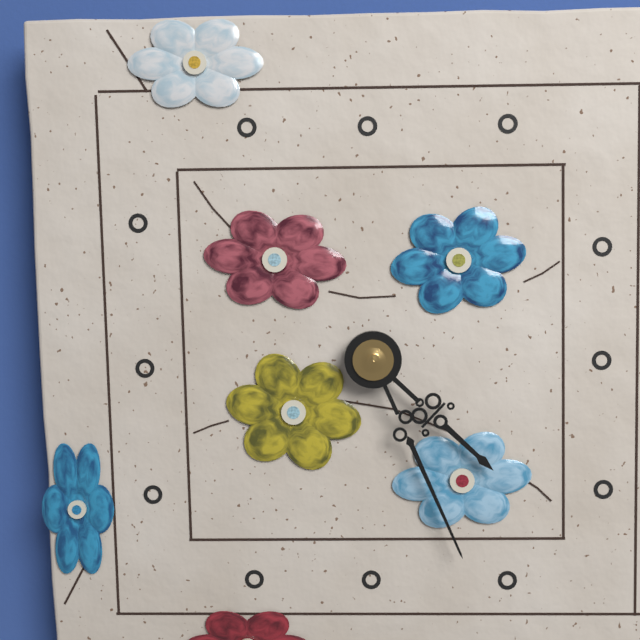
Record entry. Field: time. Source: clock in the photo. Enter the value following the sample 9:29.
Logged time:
4:26
